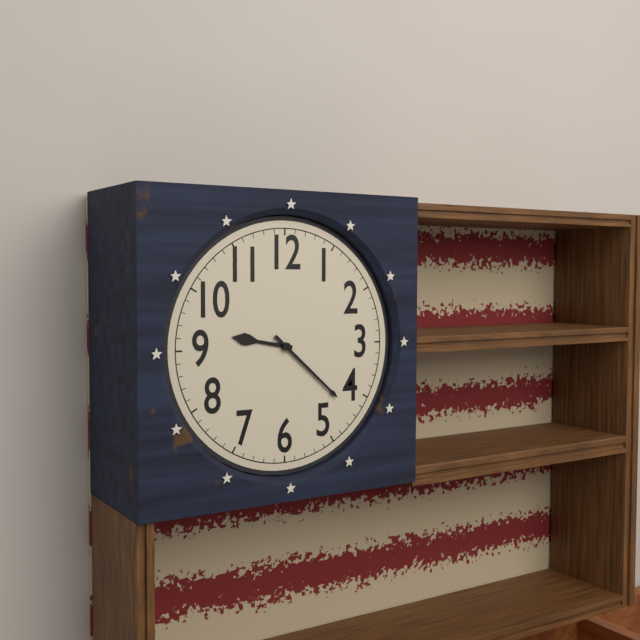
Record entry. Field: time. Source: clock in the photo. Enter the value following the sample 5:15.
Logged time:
9:22
